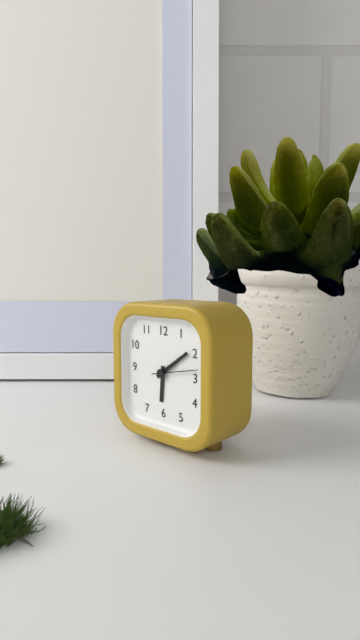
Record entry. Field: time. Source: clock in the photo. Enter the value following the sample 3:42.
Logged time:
6:09
